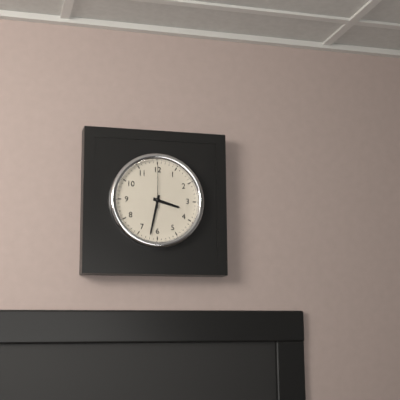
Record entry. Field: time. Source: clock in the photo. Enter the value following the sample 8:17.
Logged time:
3:32
